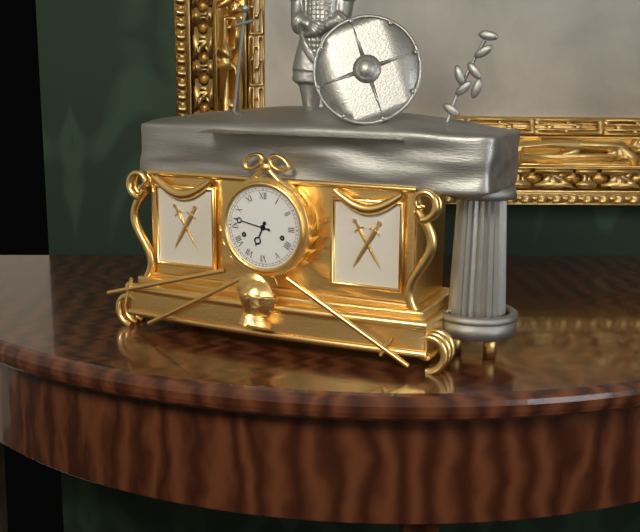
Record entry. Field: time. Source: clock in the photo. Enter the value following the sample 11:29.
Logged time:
6:47
